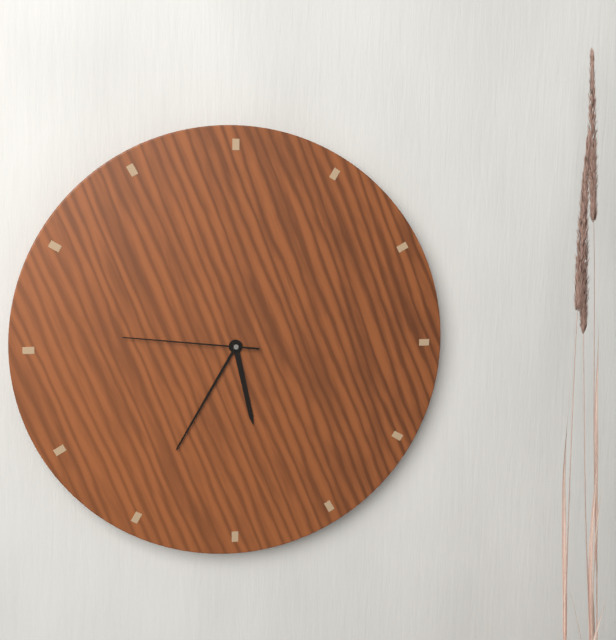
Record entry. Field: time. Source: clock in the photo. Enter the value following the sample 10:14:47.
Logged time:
5:35:46
